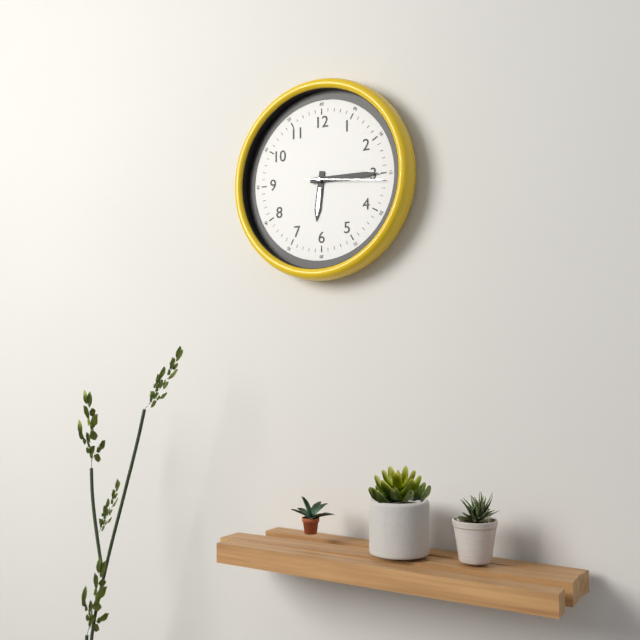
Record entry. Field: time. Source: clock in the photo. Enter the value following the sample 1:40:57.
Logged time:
6:15:16
